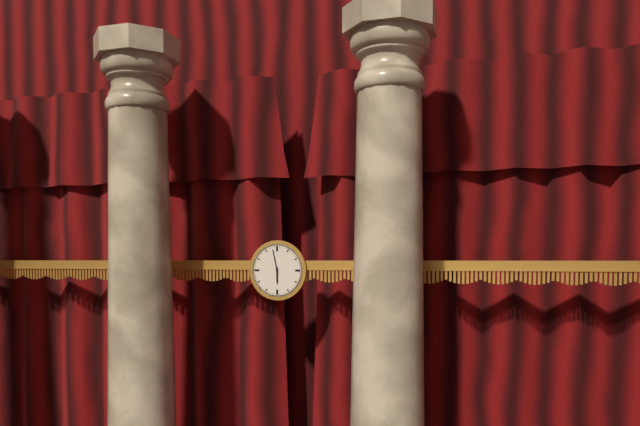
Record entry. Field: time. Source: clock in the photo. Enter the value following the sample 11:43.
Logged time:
5:58
